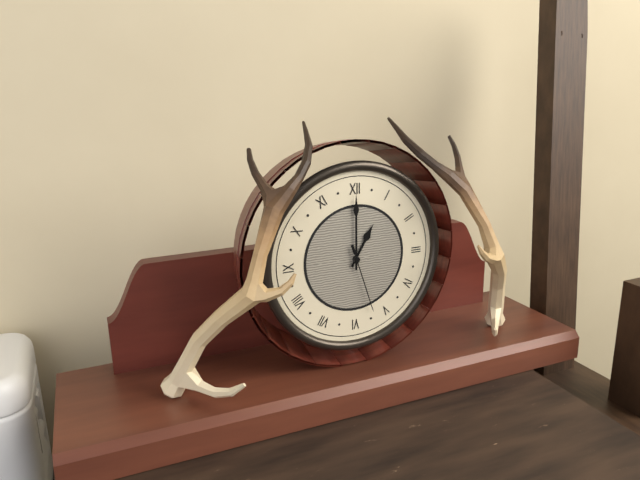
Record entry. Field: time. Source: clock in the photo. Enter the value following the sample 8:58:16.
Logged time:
1:00:27
